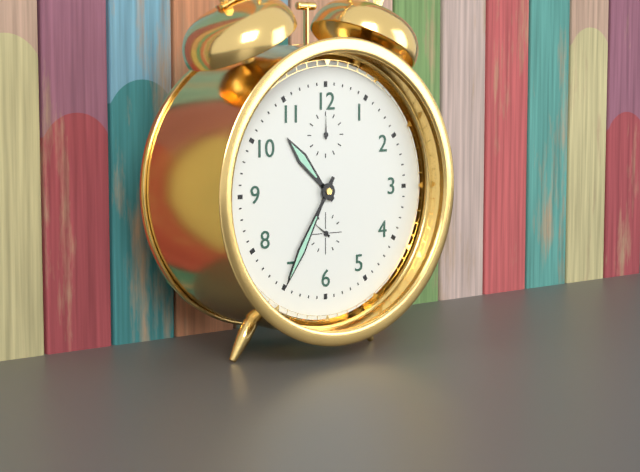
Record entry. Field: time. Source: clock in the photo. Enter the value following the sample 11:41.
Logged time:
10:35
